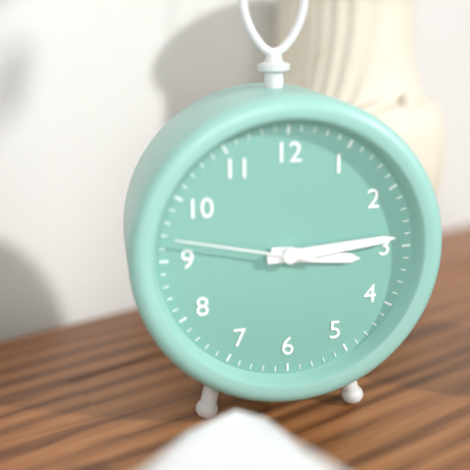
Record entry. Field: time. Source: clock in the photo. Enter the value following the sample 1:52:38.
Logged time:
3:14:47
